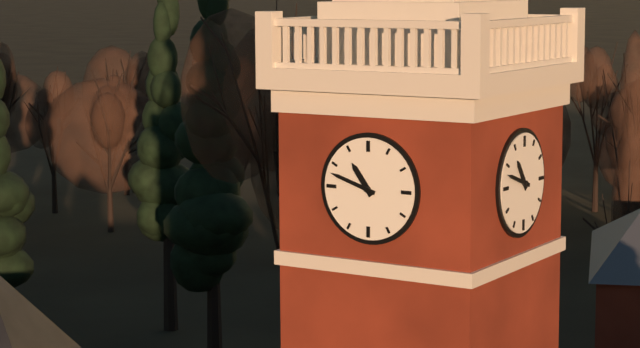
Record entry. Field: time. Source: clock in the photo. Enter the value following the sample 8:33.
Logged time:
10:48
